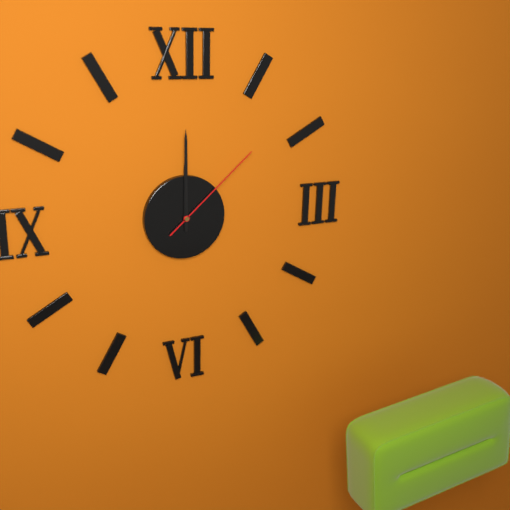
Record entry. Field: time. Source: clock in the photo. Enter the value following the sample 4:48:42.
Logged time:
12:00:08
